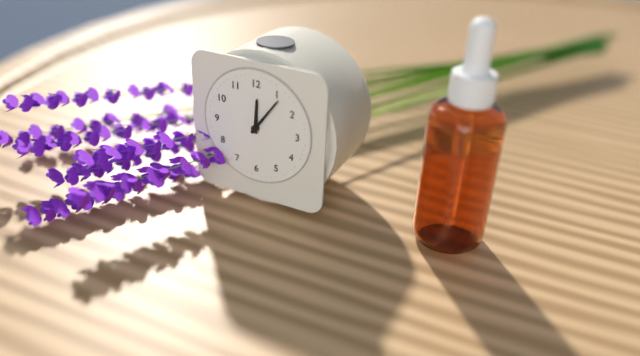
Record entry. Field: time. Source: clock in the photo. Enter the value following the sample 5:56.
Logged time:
12:06
